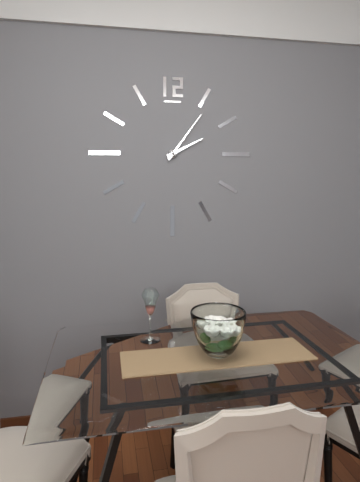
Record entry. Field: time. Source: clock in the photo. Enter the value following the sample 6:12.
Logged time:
2:06
